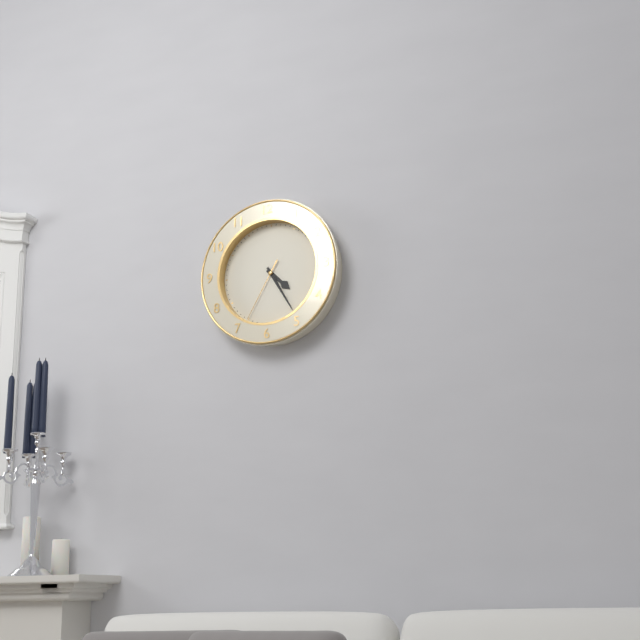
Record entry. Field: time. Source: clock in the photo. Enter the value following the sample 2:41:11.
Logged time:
4:25:35
